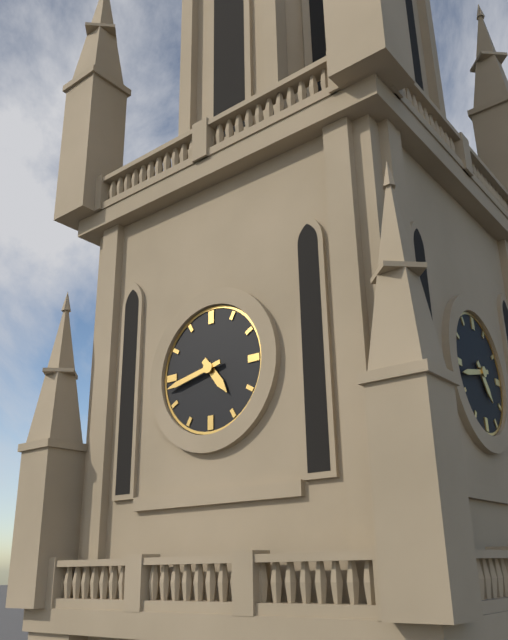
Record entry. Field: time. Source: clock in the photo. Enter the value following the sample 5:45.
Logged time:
4:43
